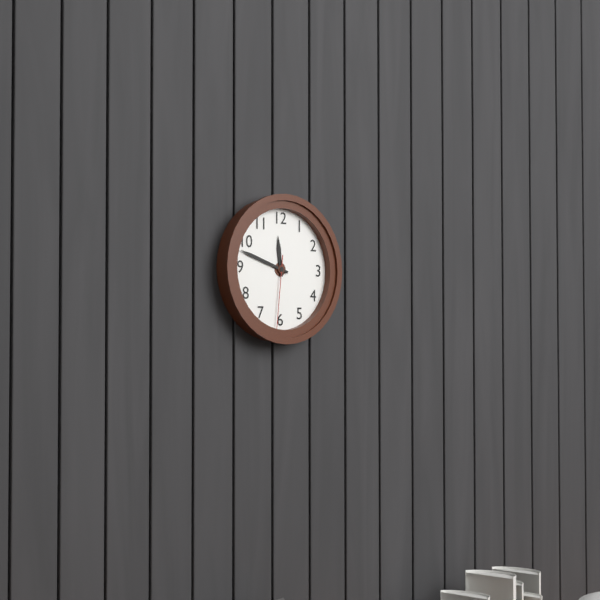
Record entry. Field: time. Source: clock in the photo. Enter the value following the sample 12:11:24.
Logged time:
11:48:31
